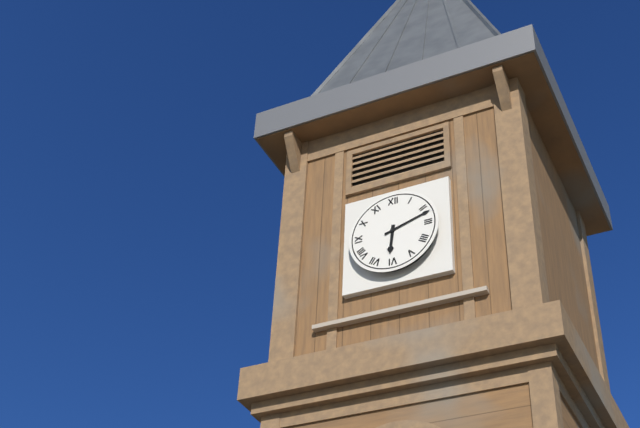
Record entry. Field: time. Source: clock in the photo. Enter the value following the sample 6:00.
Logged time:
6:12
